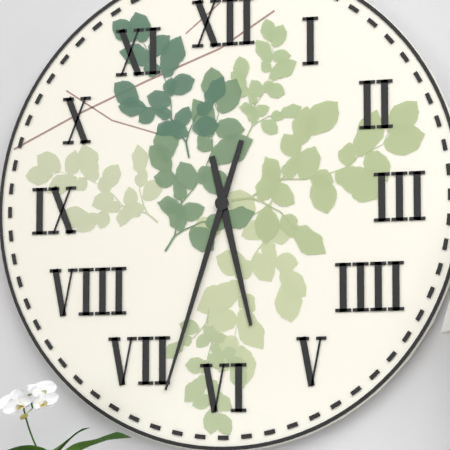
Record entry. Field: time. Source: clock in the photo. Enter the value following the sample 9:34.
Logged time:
5:33
